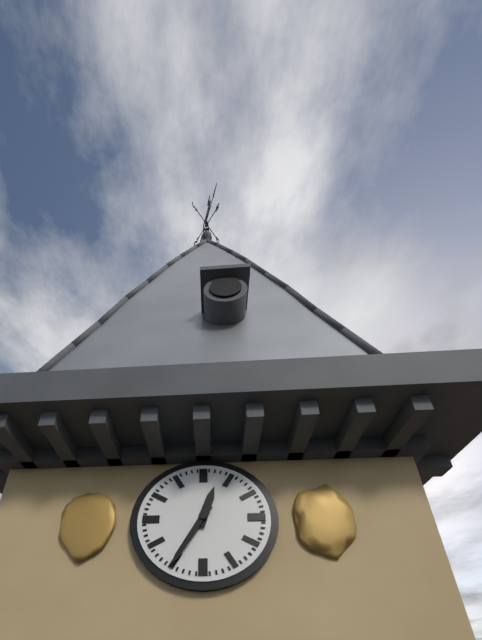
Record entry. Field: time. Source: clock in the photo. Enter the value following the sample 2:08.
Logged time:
12:35
